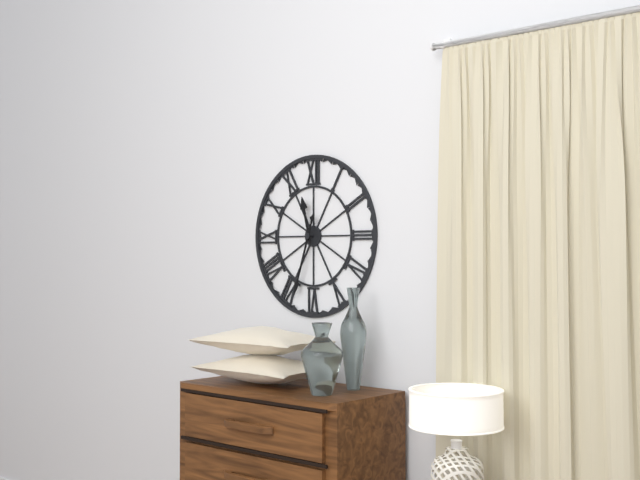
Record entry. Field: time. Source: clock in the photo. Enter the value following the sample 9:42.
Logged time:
11:33
